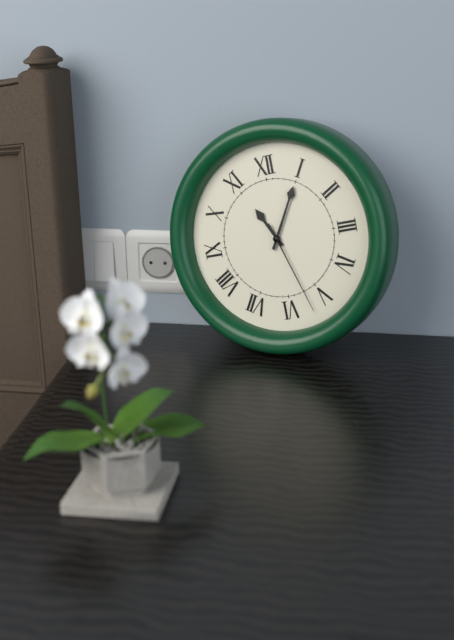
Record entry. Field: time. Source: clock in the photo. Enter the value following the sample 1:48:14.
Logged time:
11:05:27
